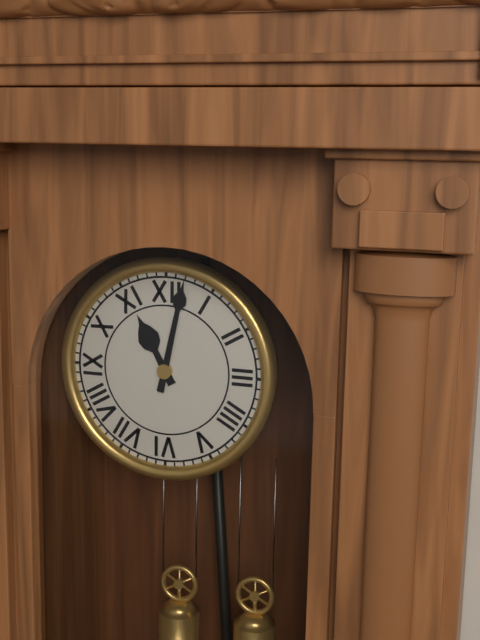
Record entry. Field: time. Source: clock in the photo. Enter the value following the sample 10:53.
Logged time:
11:02
